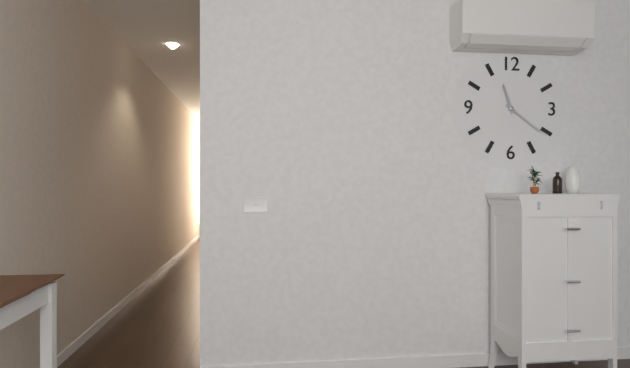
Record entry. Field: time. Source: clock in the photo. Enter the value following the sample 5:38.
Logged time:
11:21
